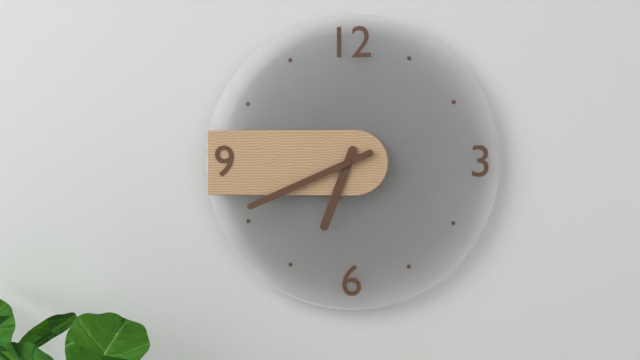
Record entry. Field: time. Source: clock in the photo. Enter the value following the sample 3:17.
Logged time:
6:41
